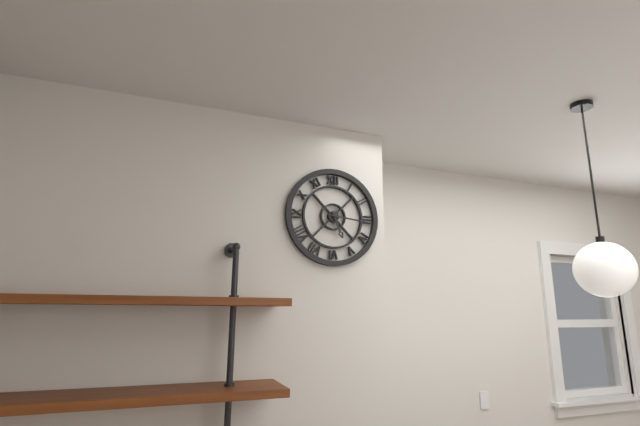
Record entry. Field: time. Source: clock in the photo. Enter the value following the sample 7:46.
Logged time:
5:16
